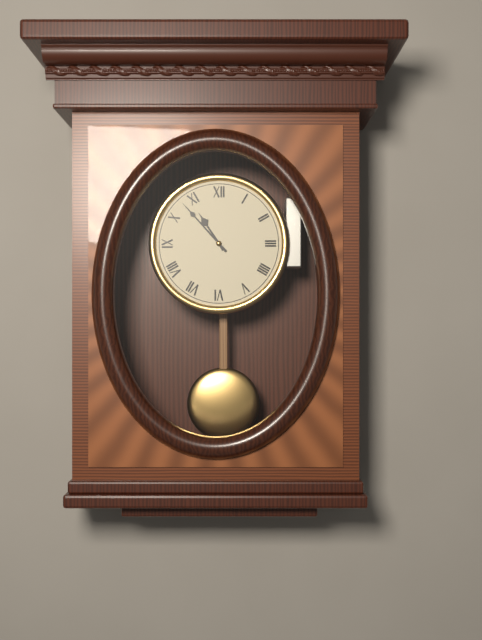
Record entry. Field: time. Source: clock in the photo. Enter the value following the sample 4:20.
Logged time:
10:53
